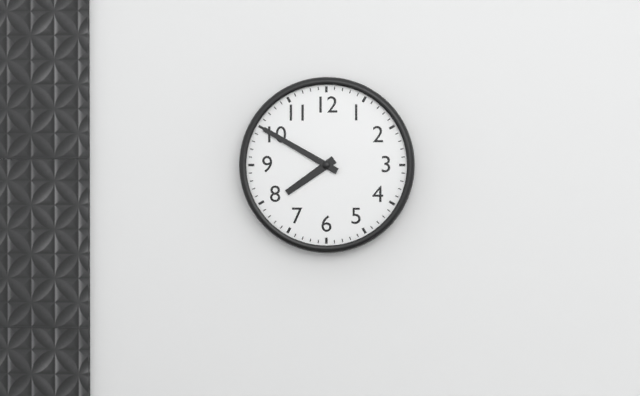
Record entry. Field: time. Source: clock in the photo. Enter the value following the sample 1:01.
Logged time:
7:50
